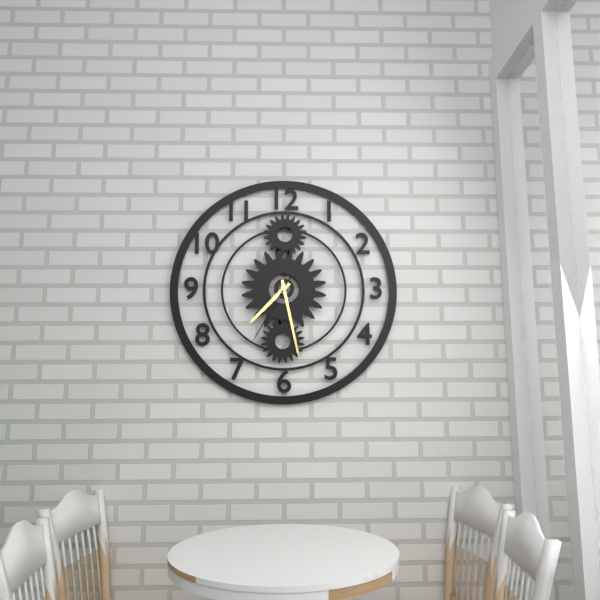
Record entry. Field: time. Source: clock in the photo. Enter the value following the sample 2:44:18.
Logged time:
7:28:35
